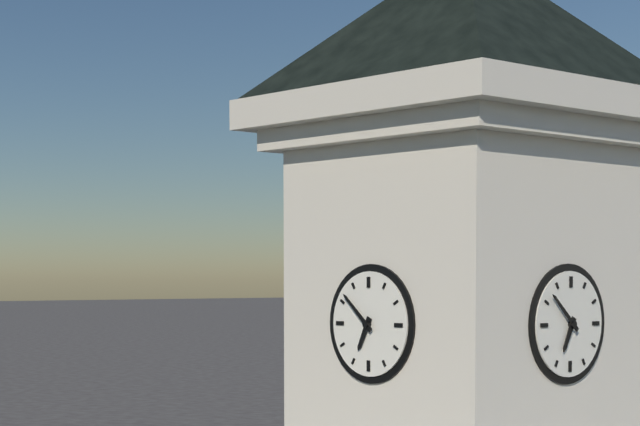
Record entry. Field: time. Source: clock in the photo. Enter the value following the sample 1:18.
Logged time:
6:52
